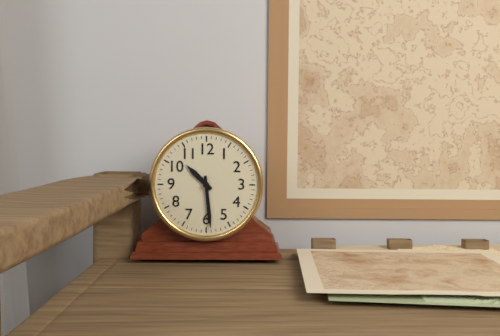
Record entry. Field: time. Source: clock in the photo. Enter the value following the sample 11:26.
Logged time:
10:29
